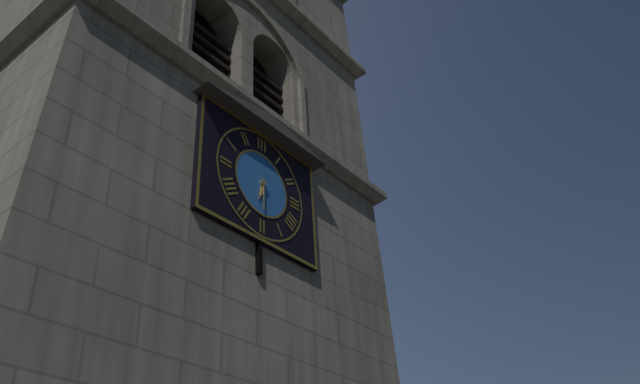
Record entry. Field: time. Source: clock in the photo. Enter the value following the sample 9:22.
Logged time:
6:30
